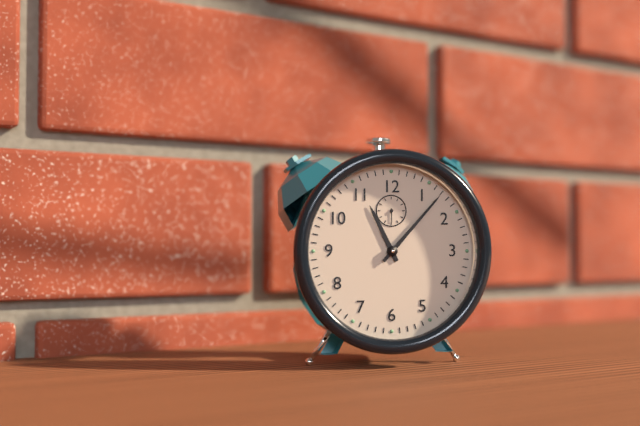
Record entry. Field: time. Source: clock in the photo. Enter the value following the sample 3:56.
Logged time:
11:07
